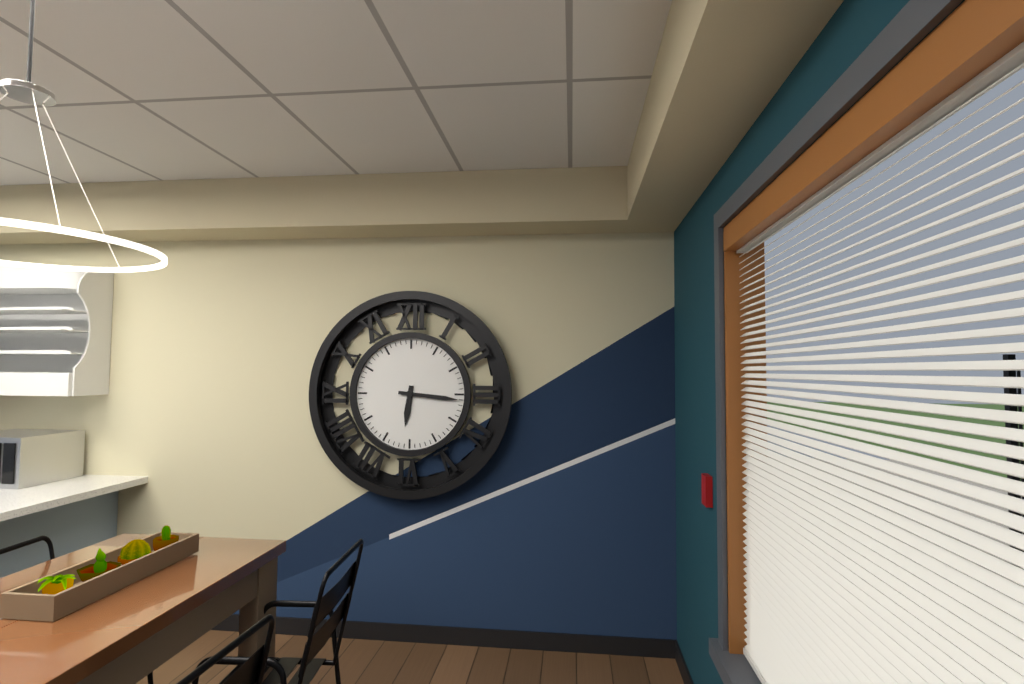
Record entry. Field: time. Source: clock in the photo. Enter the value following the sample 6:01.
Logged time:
6:16
